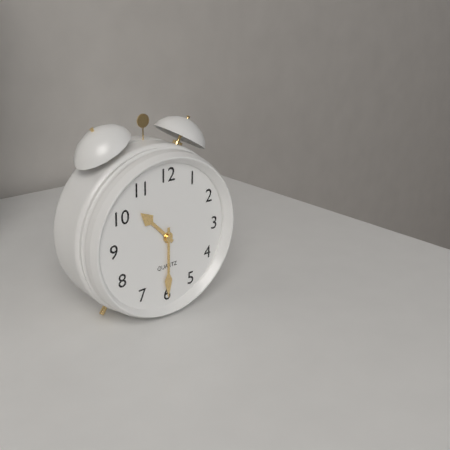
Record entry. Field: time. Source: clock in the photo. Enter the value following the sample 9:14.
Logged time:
10:30
